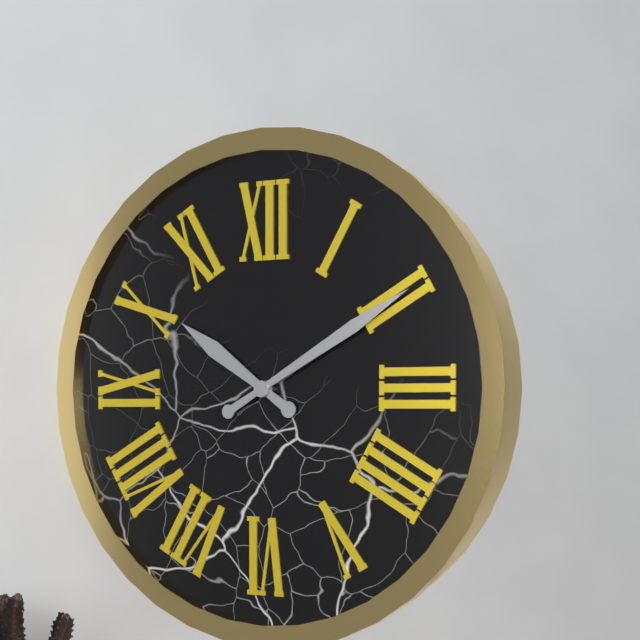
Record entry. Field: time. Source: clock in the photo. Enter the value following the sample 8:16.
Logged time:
10:10
